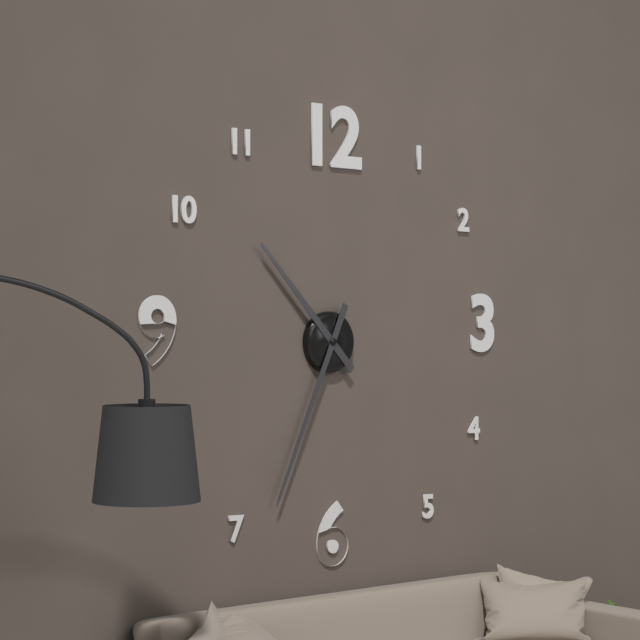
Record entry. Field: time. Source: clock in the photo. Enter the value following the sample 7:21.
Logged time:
10:34
